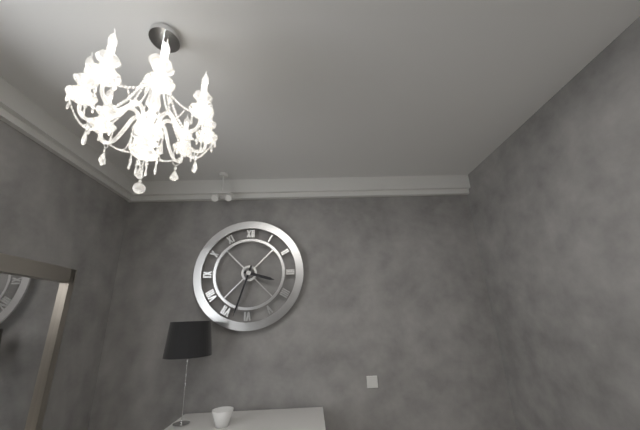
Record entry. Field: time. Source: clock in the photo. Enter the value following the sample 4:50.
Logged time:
3:33
